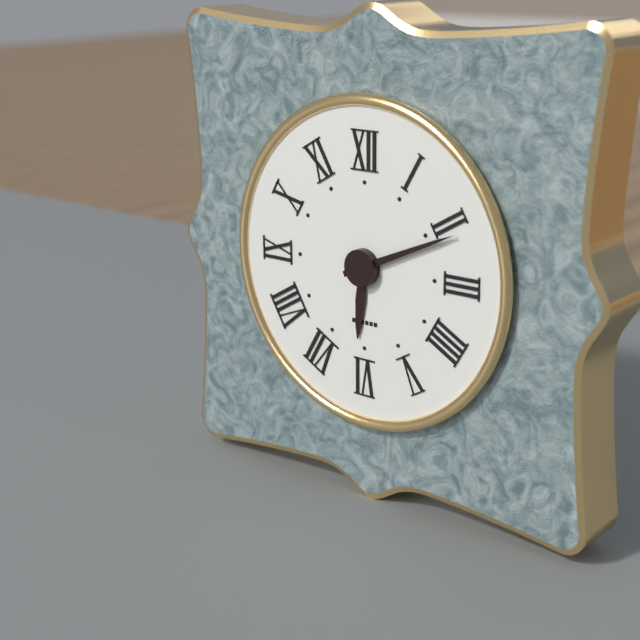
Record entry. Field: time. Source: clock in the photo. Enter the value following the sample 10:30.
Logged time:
6:11
